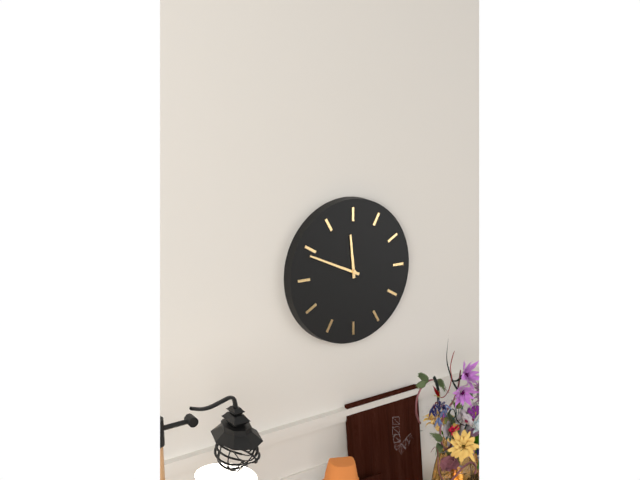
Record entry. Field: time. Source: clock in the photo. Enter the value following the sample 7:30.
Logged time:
11:49
